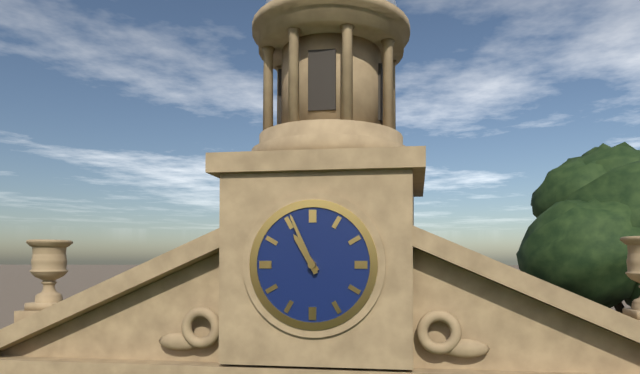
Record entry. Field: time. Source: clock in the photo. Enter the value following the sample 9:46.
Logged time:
10:56
